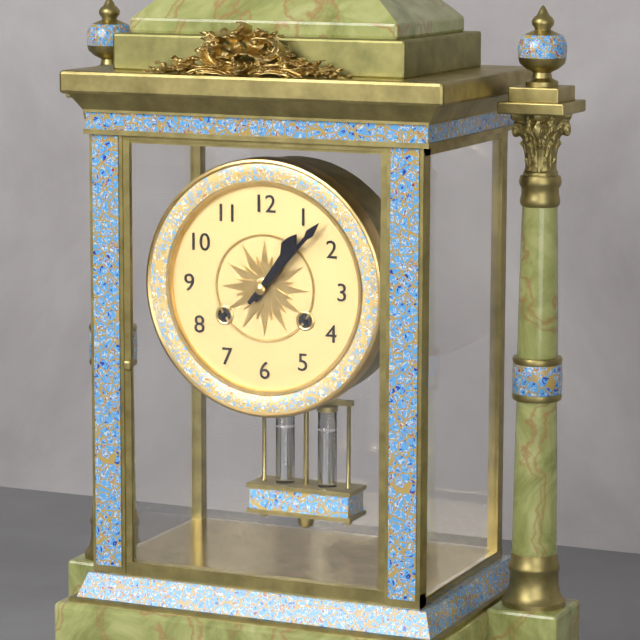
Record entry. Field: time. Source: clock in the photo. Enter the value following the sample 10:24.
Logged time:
1:07
